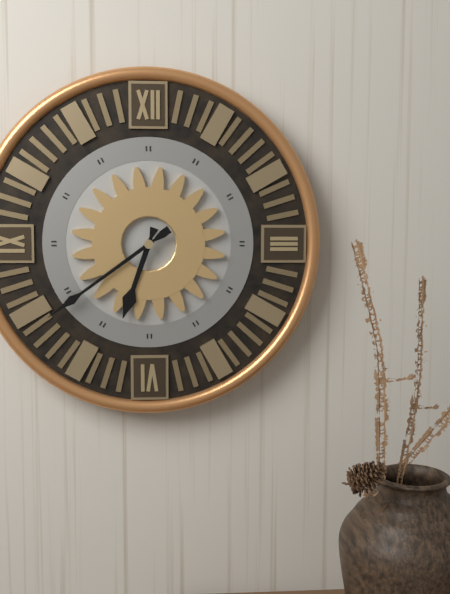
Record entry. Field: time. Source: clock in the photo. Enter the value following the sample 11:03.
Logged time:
6:39
